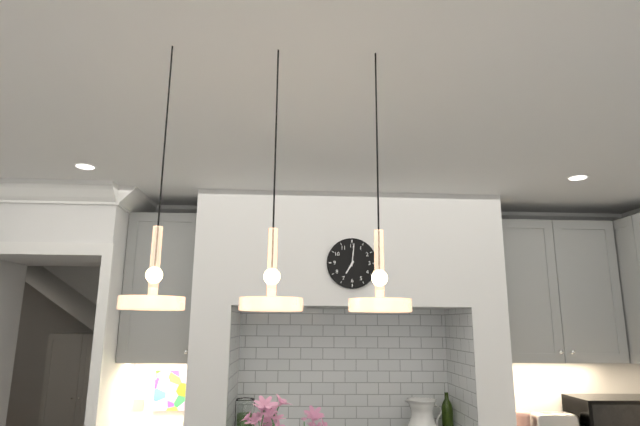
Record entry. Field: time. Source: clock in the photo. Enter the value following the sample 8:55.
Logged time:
7:01
